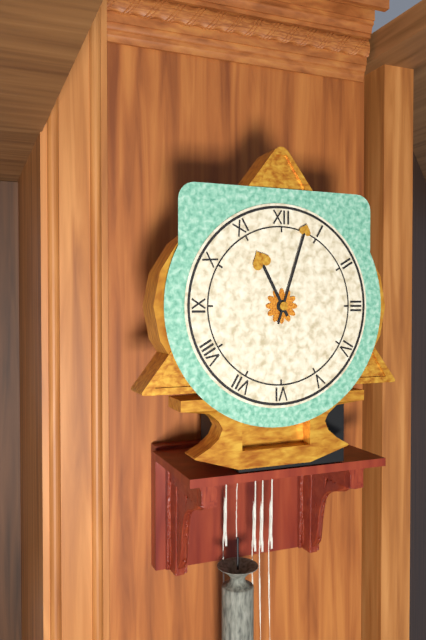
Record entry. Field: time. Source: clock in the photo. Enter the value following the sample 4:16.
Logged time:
11:03
